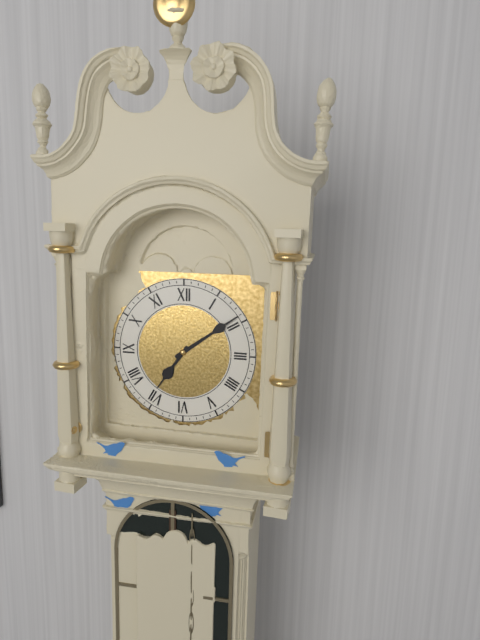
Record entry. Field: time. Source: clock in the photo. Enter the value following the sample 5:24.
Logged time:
7:09
